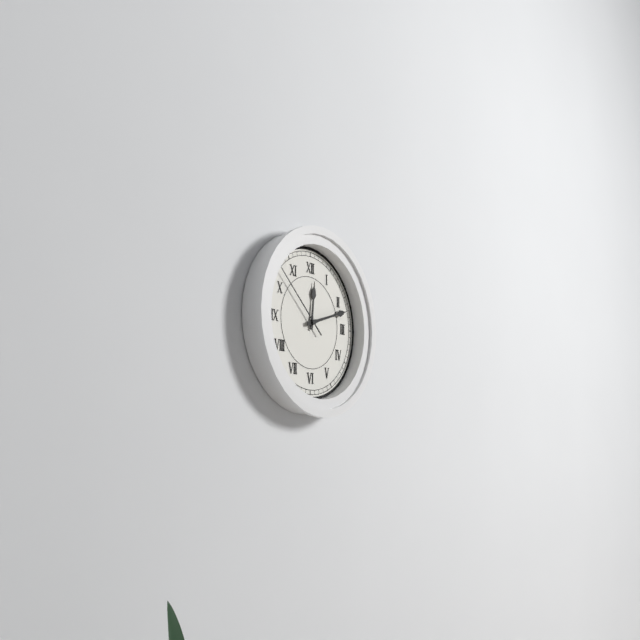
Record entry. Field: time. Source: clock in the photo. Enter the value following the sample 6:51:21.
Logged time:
12:12:52
